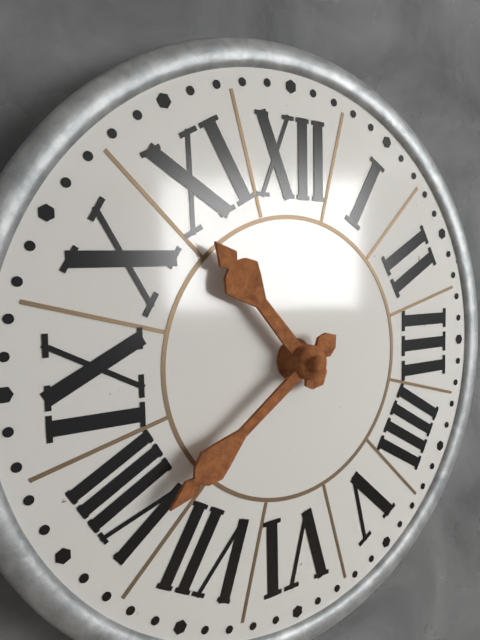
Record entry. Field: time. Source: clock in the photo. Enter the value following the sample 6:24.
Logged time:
10:39
